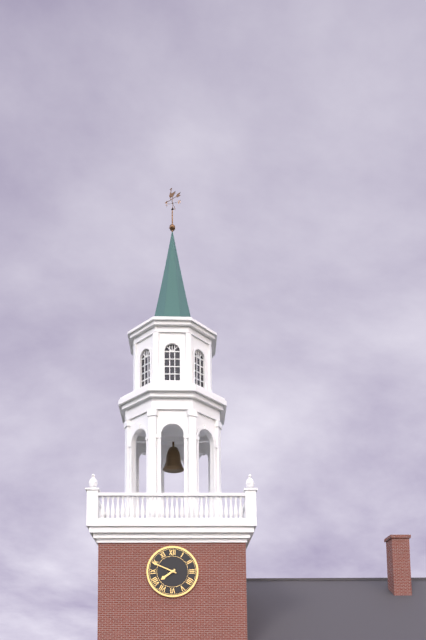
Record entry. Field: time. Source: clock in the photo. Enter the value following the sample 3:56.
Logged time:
7:49
